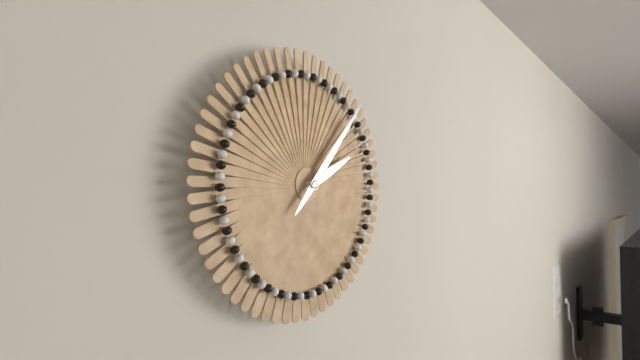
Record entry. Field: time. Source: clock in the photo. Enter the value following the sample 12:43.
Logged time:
2:07
